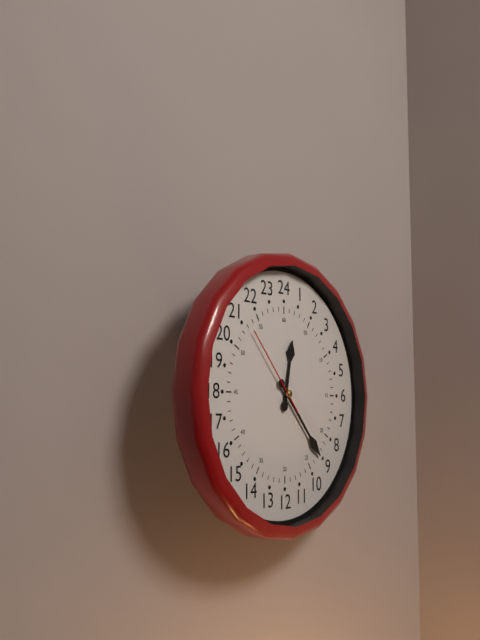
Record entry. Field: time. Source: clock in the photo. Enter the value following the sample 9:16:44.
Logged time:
12:23:53
